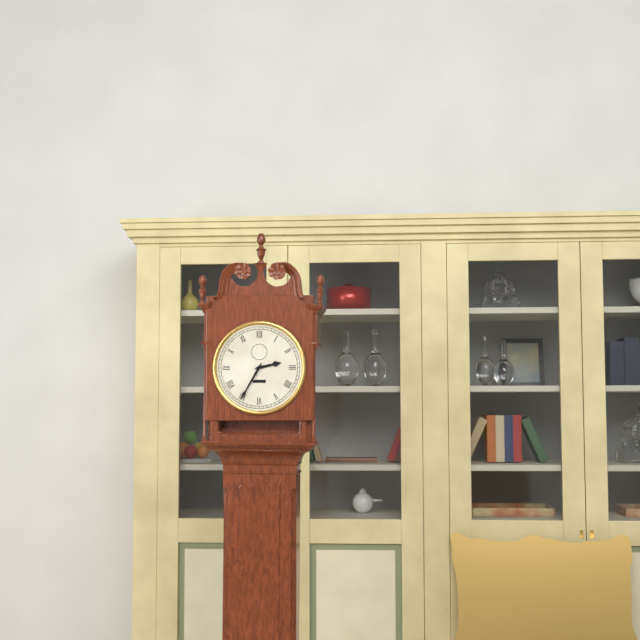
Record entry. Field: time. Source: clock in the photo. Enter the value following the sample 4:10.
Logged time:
2:35
